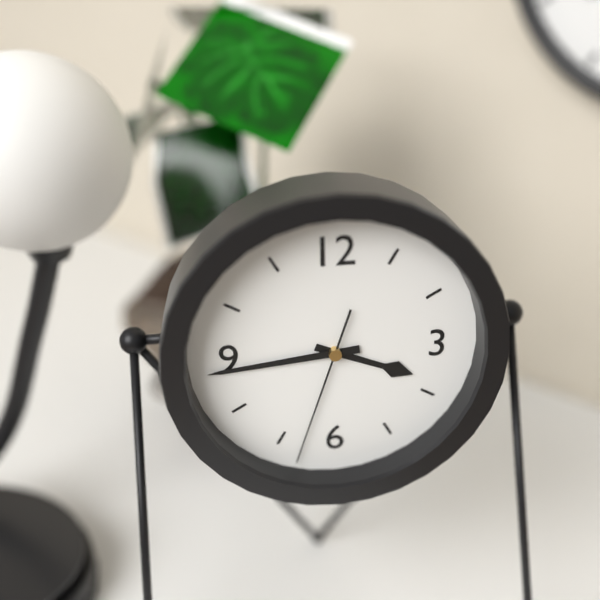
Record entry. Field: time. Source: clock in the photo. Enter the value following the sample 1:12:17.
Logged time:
3:44:33
